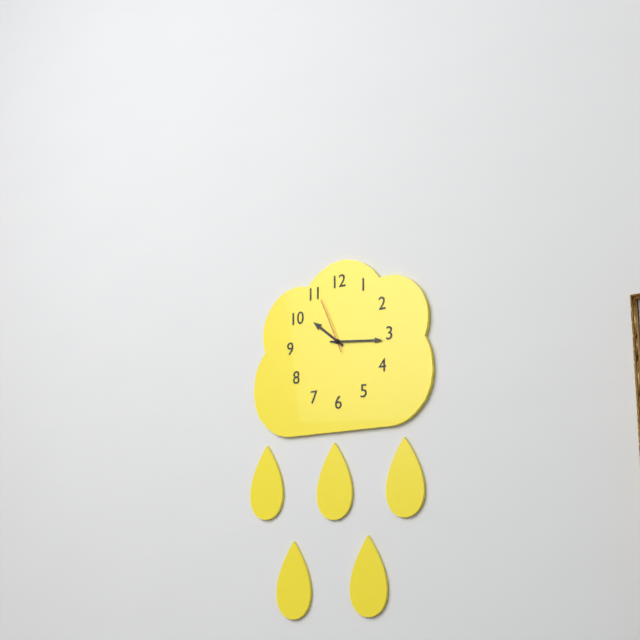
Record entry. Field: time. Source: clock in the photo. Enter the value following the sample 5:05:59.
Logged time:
10:16:56
